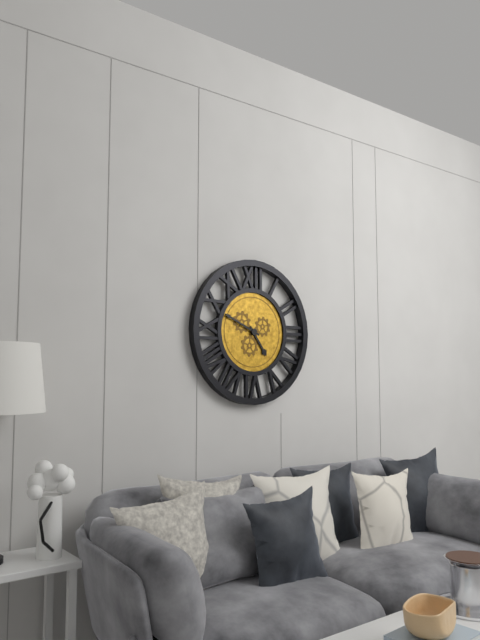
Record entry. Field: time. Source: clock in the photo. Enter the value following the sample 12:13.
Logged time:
4:49
